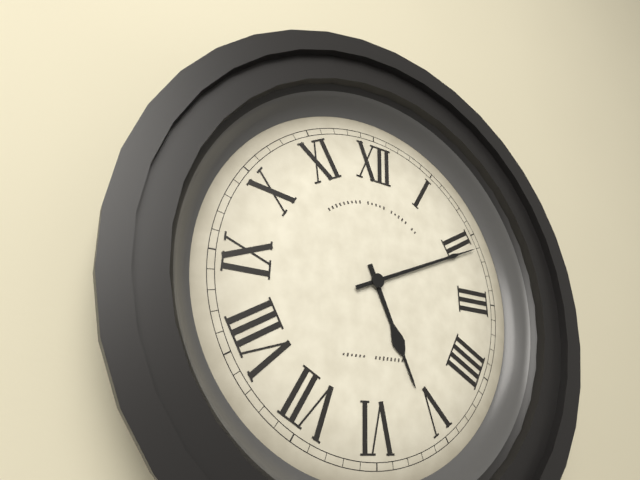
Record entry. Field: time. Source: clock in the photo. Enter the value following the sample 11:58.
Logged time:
5:11
